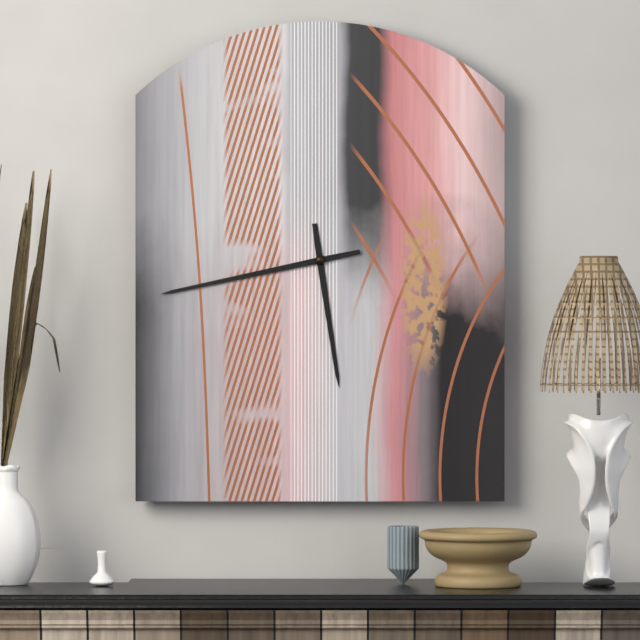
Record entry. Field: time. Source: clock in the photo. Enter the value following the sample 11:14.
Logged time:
5:43
